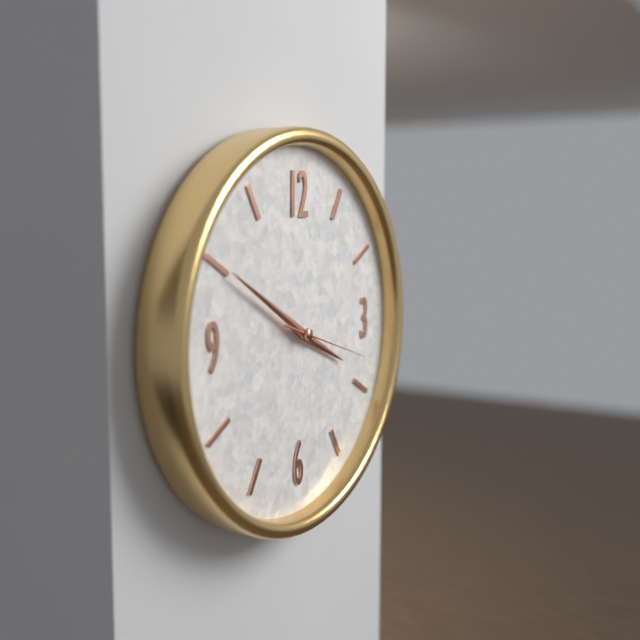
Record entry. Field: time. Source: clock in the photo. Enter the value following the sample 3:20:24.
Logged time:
3:50:18
